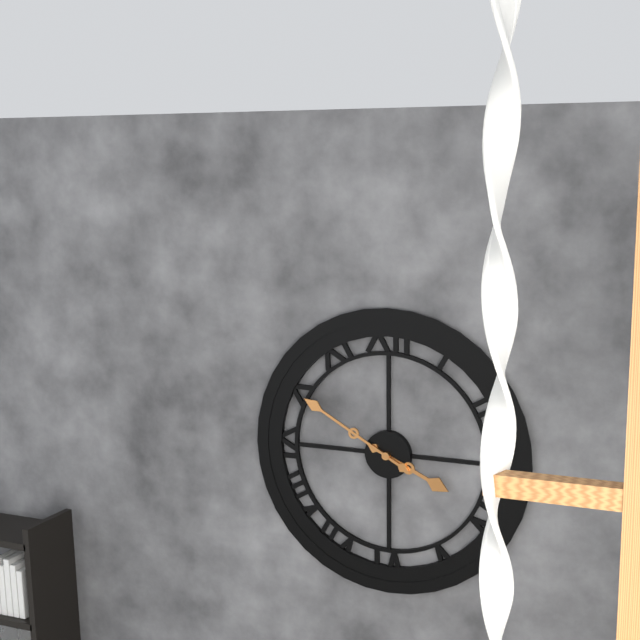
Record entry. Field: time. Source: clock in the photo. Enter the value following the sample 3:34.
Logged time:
3:50
